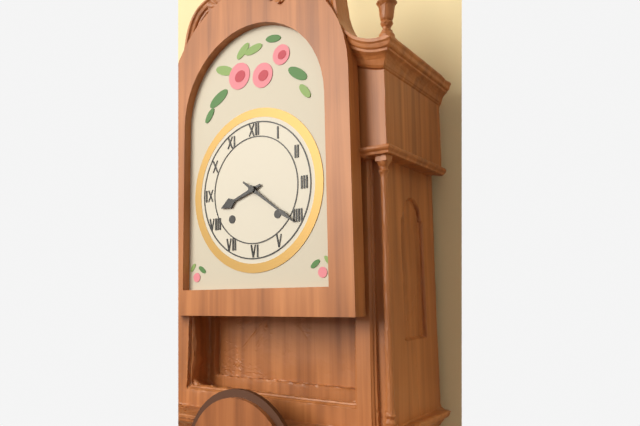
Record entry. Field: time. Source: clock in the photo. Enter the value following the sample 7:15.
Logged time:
8:21
